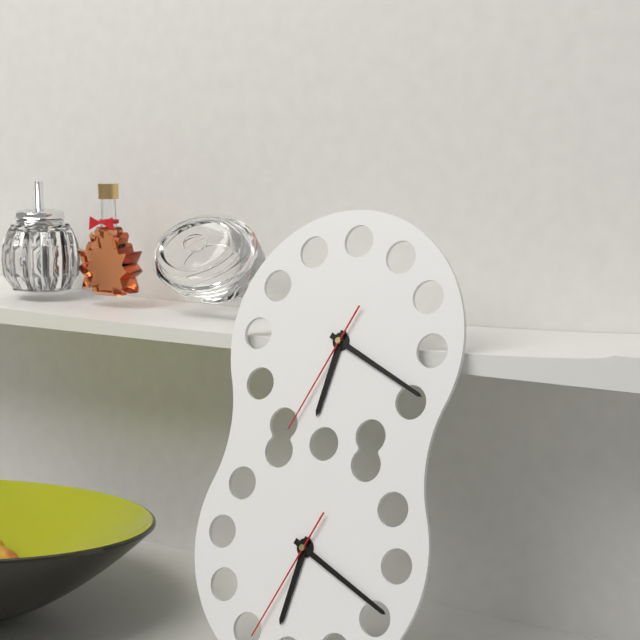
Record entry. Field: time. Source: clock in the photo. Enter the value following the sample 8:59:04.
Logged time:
6:19:34
